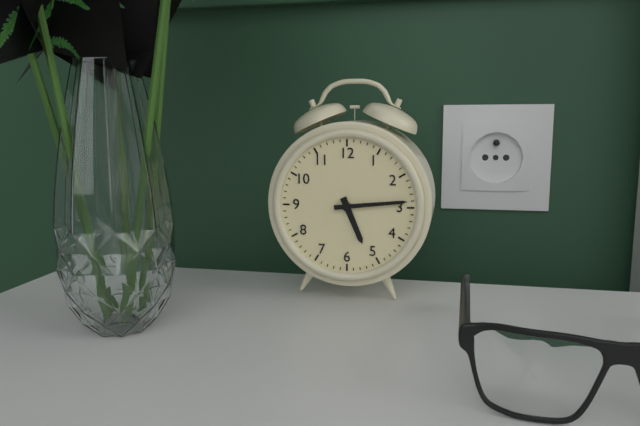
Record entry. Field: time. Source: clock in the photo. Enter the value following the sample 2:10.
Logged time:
5:14
